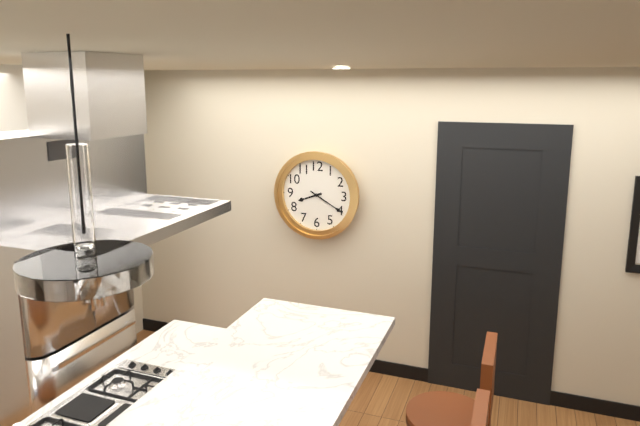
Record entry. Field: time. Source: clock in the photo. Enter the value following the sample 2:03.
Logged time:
8:20
